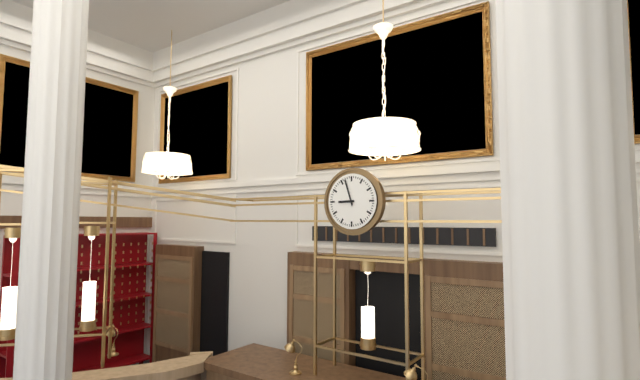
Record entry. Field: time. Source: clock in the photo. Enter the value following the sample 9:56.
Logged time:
8:57
